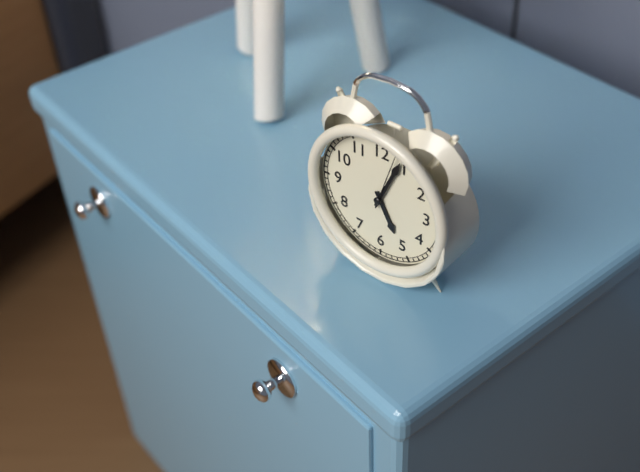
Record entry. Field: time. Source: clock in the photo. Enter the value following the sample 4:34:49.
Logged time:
5:04:03
